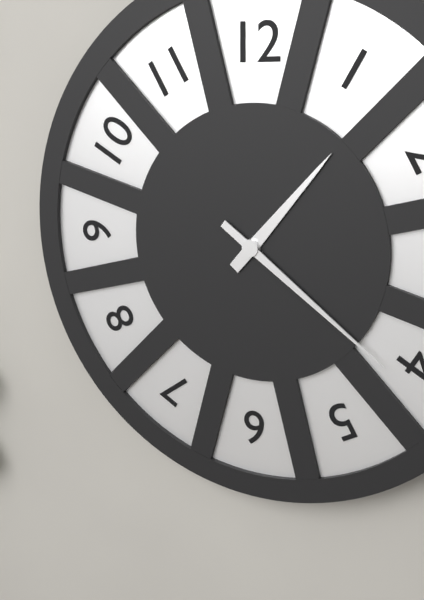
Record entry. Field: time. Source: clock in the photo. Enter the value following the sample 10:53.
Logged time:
1:21
